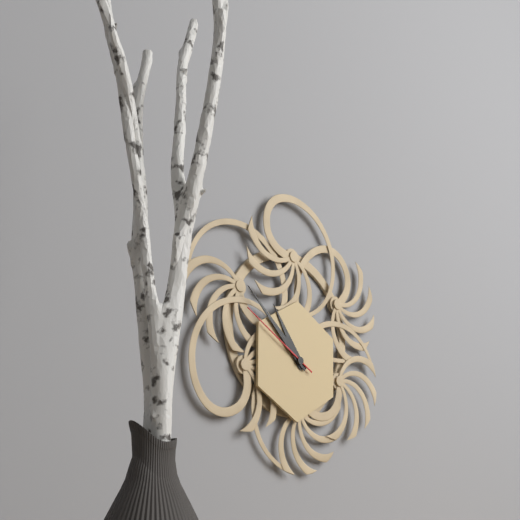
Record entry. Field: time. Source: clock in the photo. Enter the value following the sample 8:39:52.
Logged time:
10:52:50
